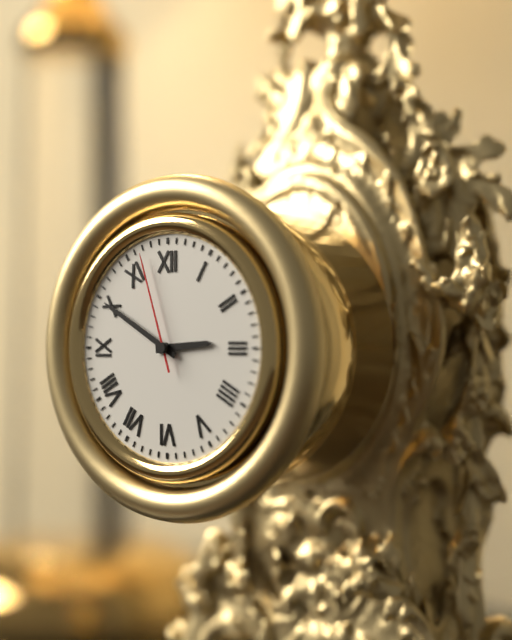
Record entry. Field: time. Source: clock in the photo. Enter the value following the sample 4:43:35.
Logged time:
2:50:57
